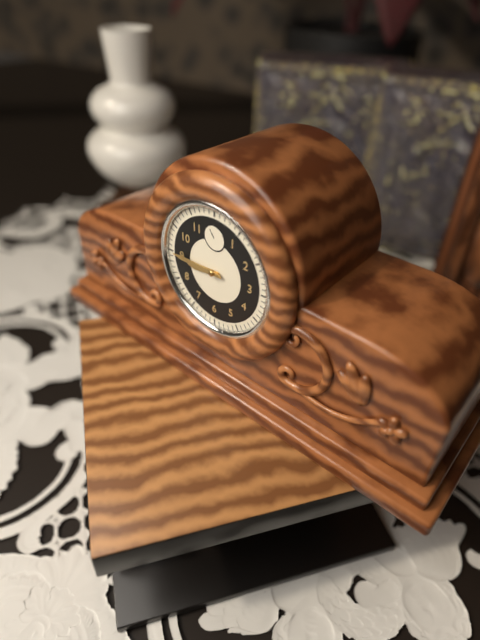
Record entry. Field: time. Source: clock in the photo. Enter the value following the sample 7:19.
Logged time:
8:45
